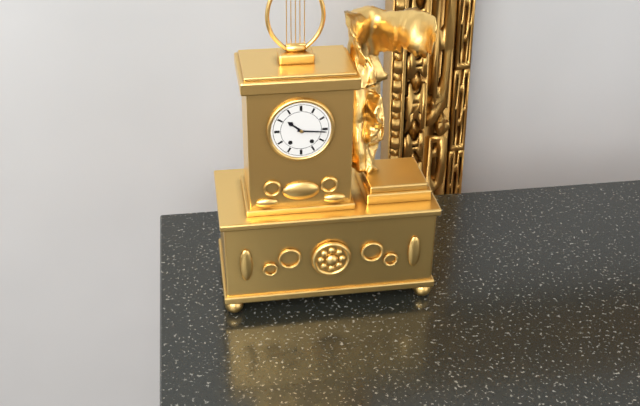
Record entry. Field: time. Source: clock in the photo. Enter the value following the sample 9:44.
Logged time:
10:16
